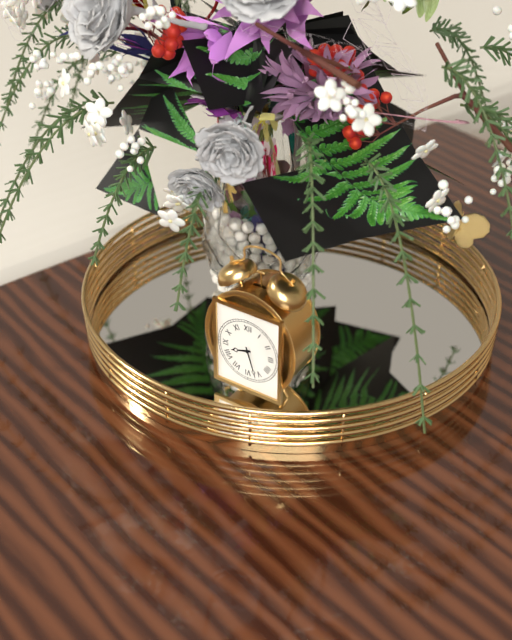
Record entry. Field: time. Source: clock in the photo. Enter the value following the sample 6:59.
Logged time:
8:27
